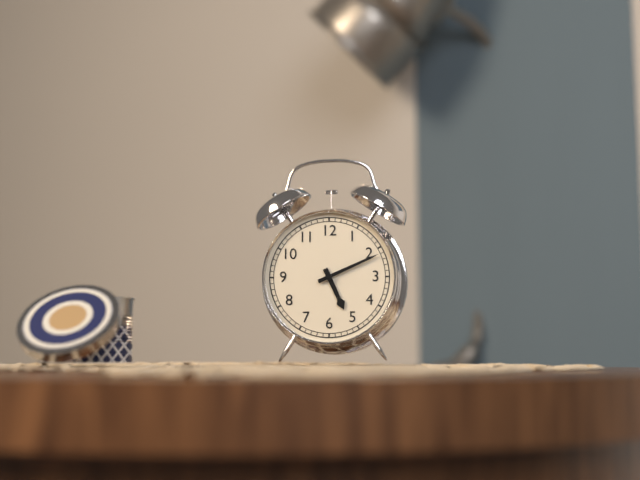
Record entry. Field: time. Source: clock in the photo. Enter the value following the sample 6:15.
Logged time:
5:11
